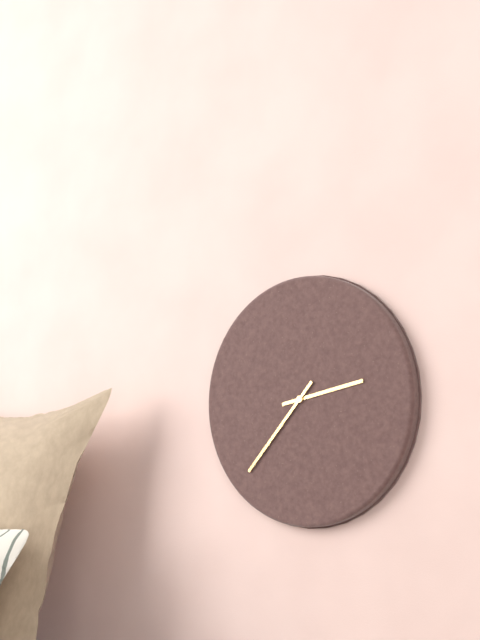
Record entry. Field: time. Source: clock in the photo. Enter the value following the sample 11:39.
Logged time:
2:37
